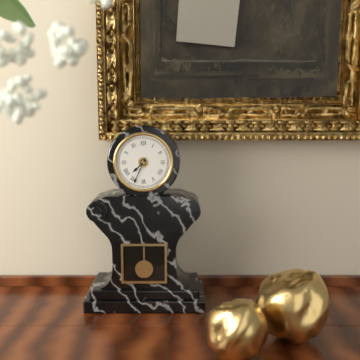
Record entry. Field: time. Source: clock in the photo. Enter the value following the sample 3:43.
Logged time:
7:34
